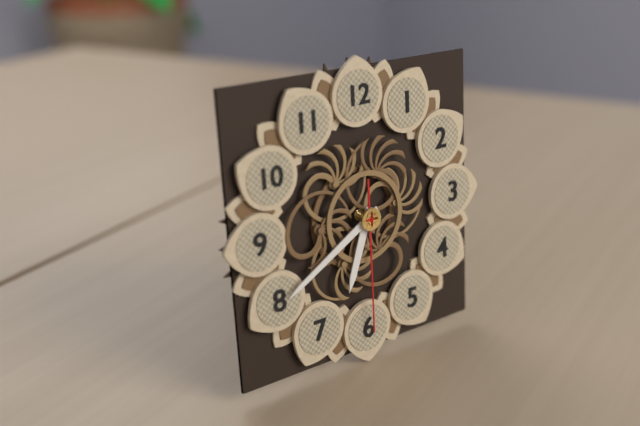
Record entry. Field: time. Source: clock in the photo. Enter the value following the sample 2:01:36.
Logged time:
6:40:30
